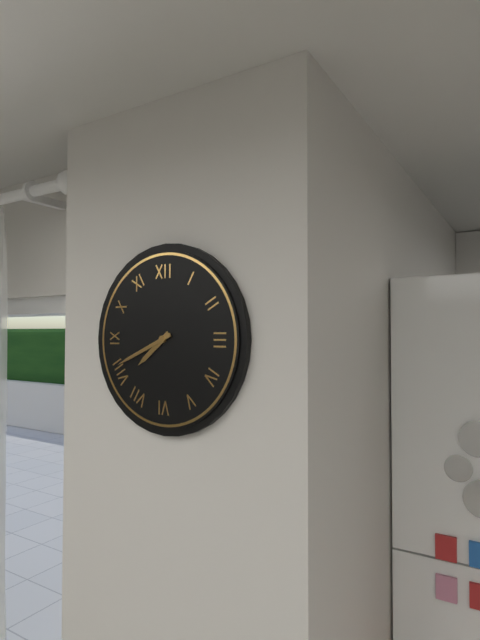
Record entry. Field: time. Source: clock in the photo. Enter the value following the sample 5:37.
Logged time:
7:41
